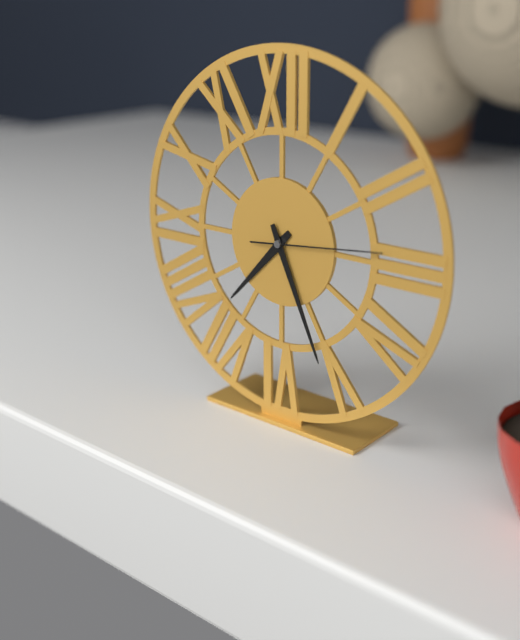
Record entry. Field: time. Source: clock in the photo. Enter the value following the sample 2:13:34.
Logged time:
7:26:14
